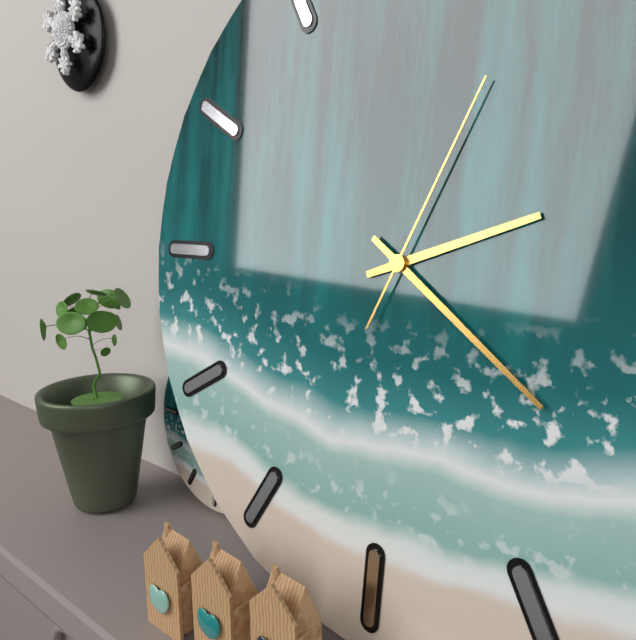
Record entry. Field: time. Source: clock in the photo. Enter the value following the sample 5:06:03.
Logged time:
2:21:04
